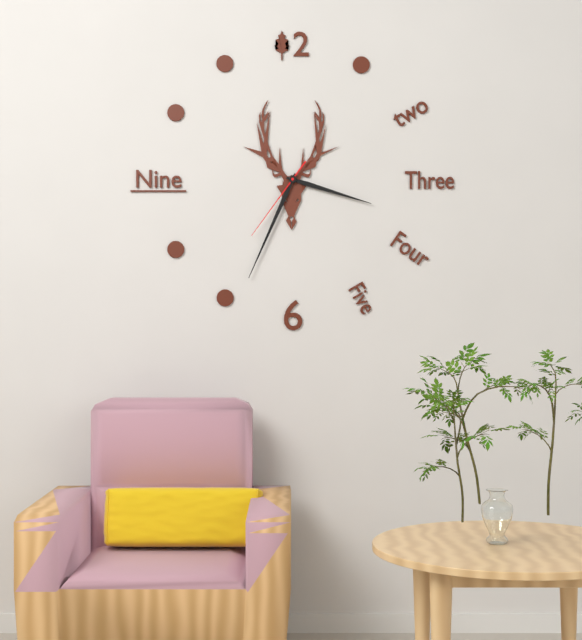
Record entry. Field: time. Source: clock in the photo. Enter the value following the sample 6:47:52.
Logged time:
3:34:36
